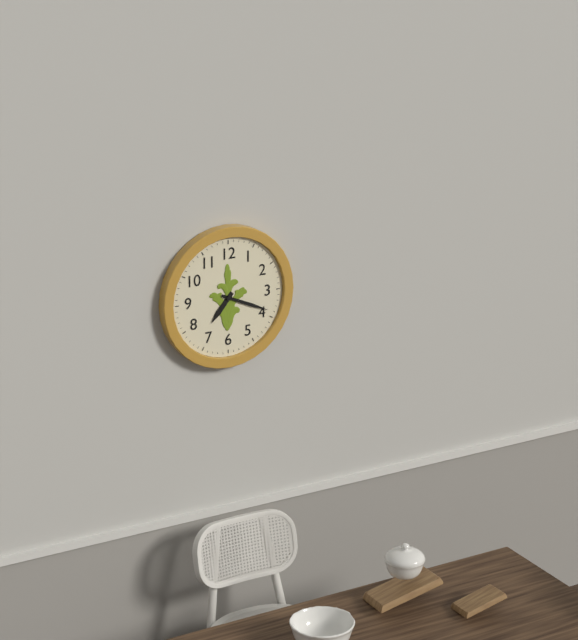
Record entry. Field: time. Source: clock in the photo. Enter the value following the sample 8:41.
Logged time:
7:19
